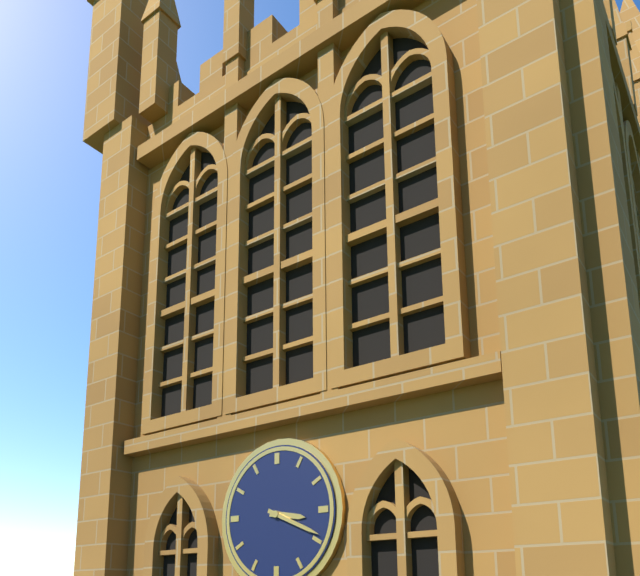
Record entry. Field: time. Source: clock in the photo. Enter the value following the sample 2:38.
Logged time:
3:19
